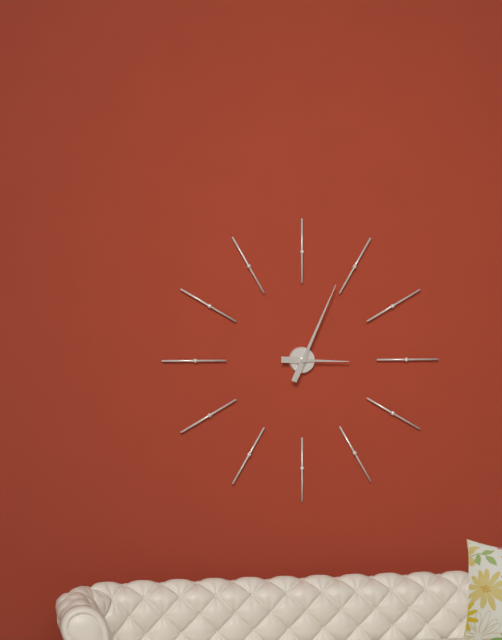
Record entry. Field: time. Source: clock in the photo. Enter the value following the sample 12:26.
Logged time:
3:04
